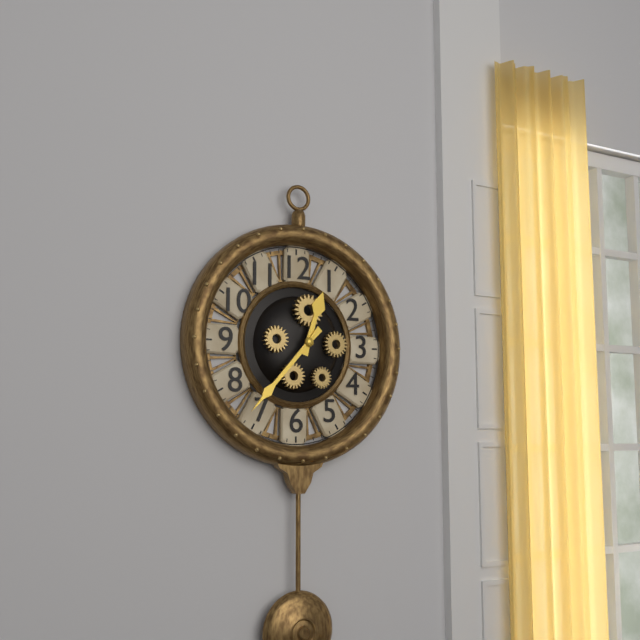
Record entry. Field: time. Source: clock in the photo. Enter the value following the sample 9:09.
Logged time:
12:37
